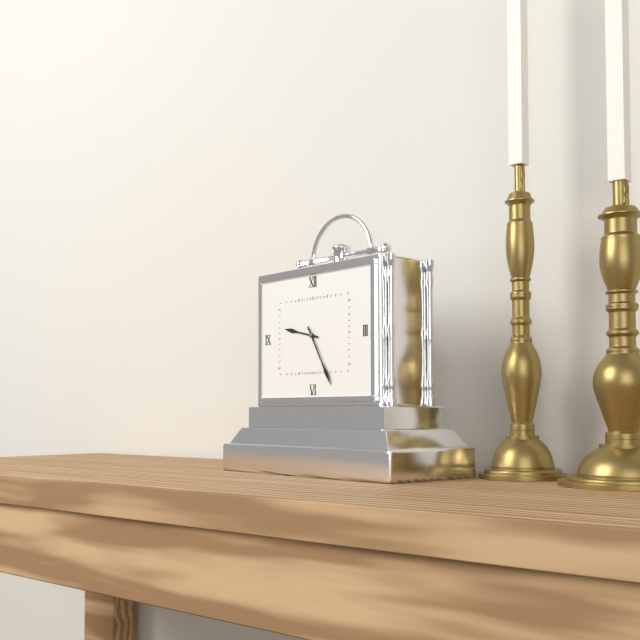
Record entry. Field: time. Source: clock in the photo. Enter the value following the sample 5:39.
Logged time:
9:25
